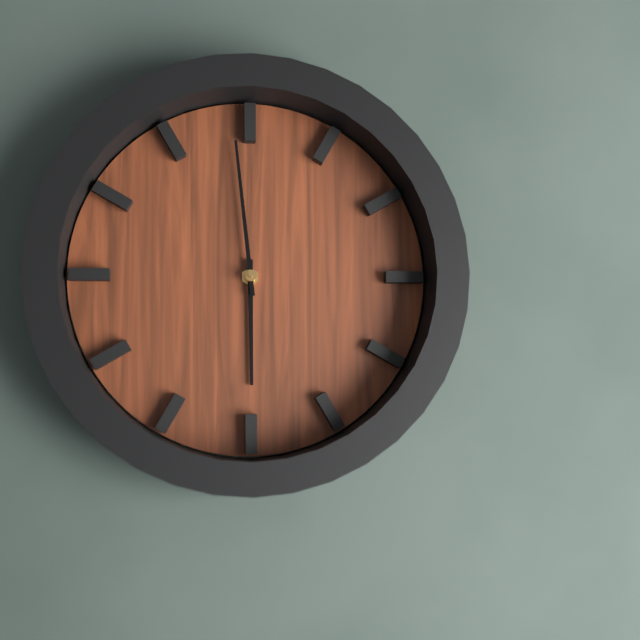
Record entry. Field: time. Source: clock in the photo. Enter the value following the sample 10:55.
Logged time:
5:59
